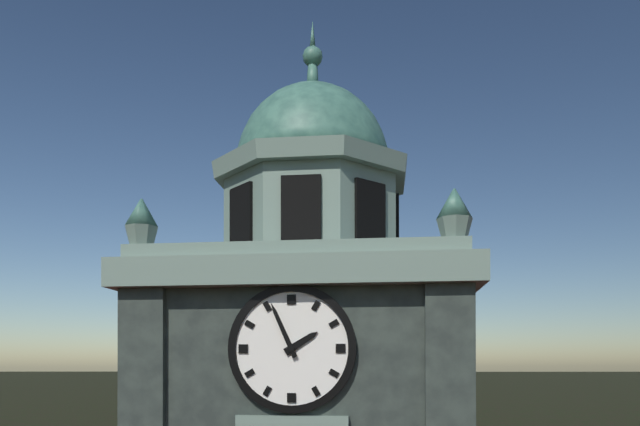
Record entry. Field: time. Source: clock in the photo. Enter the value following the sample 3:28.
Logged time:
1:56
